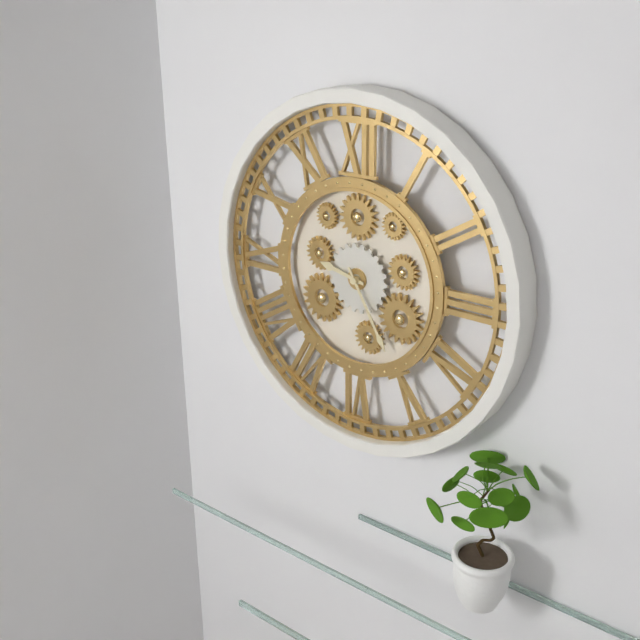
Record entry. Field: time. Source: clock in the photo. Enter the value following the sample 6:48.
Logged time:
9:25
